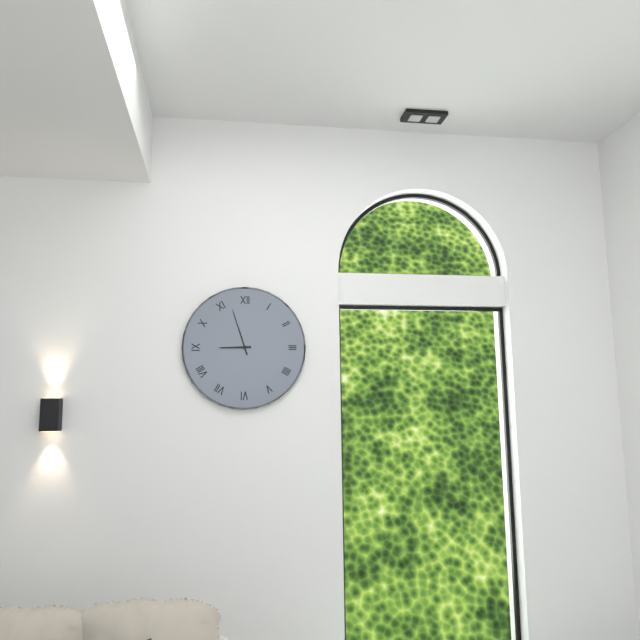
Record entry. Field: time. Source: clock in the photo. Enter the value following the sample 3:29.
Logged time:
8:57
